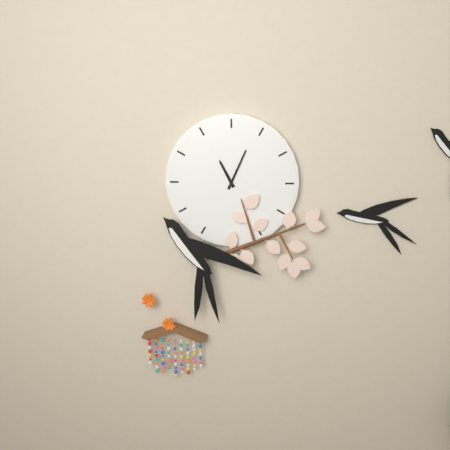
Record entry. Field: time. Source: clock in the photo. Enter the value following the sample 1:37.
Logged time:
11:04
